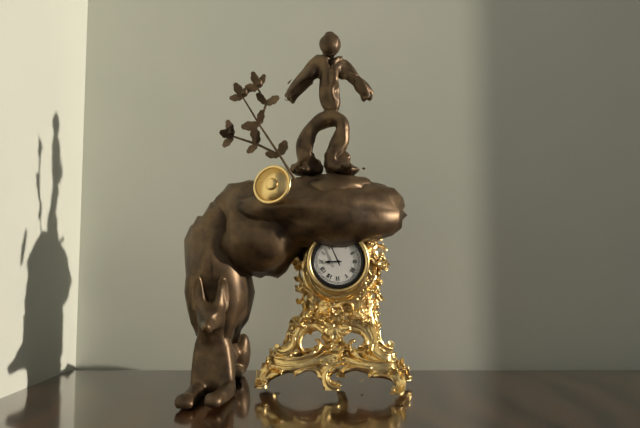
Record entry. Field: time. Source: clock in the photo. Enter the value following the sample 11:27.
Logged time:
8:56
